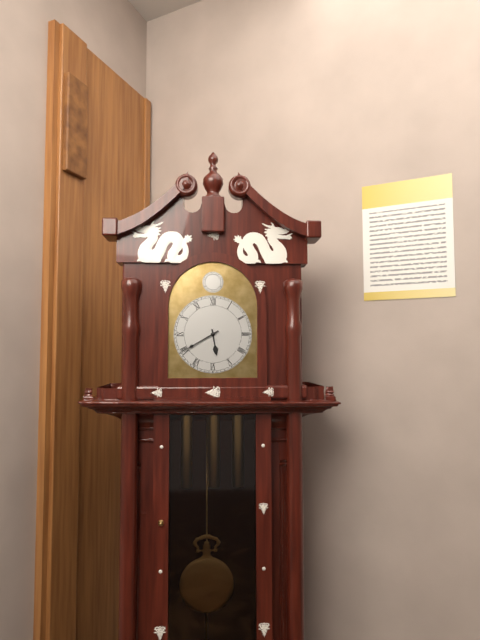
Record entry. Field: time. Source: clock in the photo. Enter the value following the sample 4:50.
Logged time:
5:40
